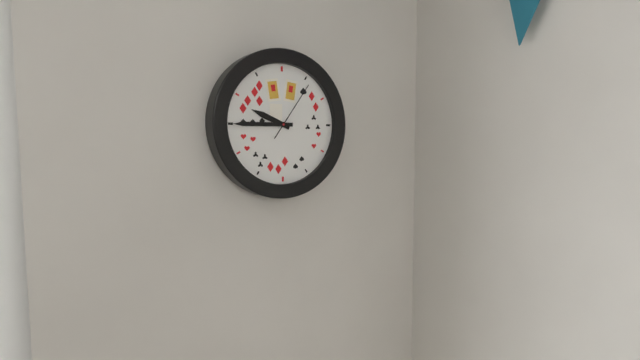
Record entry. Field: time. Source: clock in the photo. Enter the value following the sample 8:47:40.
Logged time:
9:45:06
